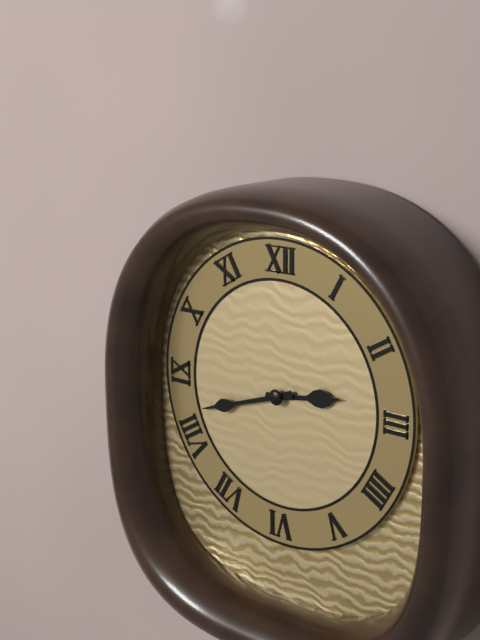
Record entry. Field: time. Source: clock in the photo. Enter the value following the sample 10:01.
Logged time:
2:42
